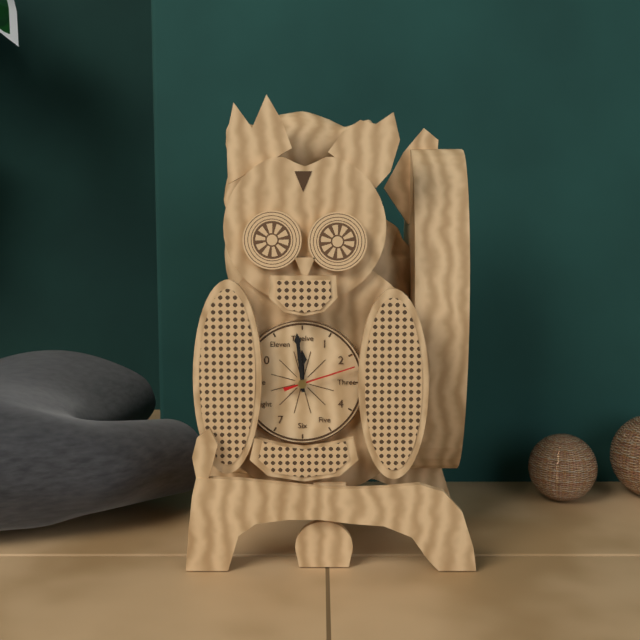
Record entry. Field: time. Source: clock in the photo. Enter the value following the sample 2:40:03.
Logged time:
11:59:12
